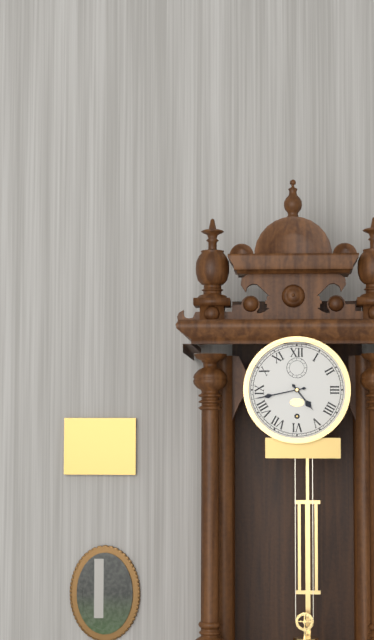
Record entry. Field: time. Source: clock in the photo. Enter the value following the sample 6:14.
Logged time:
4:43
